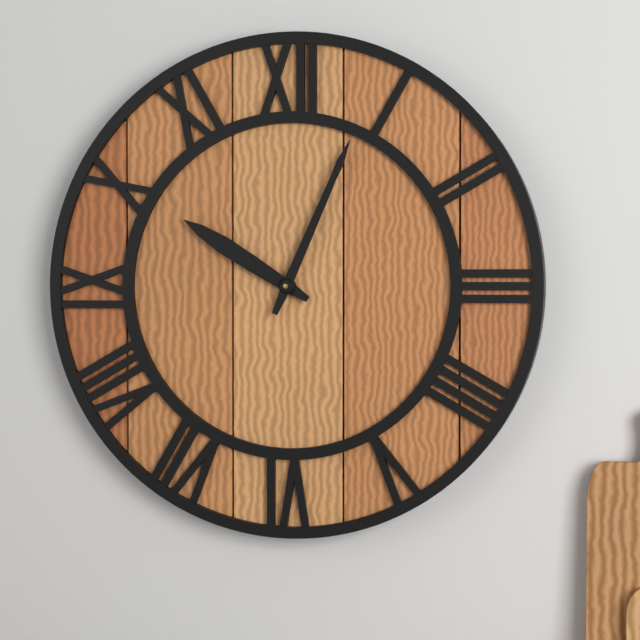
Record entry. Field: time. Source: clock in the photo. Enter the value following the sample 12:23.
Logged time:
10:04
